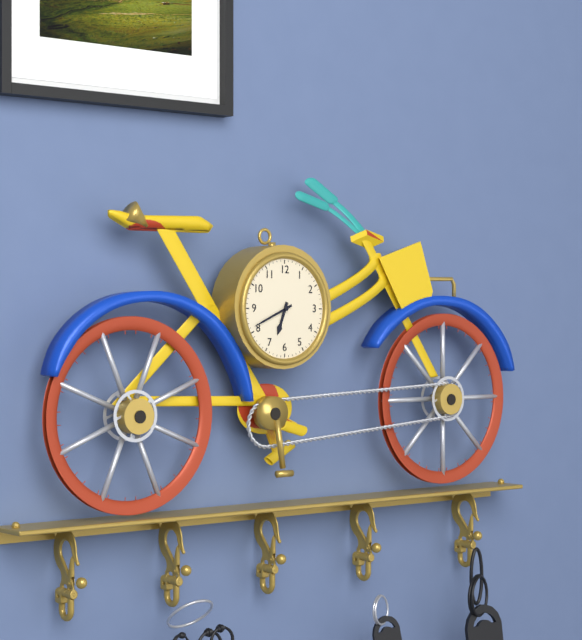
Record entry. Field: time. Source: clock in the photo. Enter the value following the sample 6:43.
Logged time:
6:41
